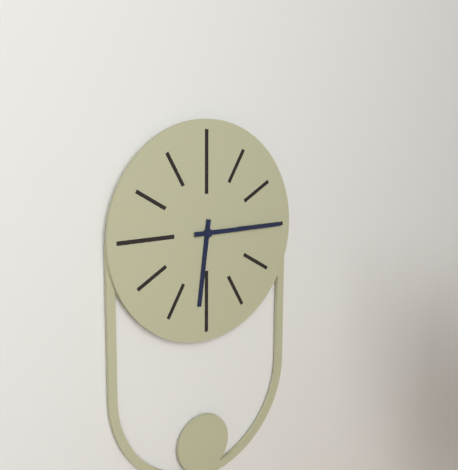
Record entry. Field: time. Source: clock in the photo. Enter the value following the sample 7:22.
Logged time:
6:15
